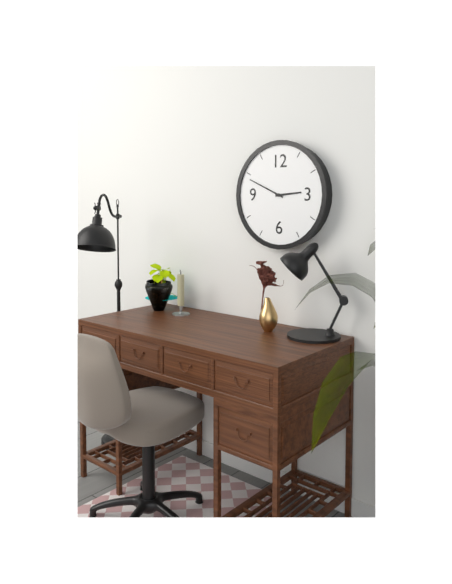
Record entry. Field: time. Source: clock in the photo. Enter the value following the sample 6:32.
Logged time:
2:49
